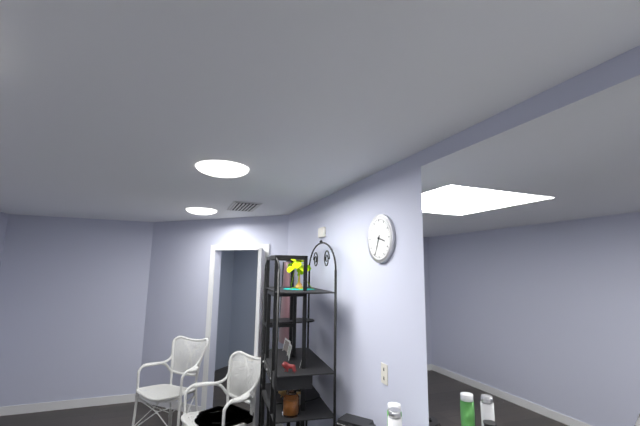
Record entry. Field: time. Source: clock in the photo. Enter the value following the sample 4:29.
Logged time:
3:34
